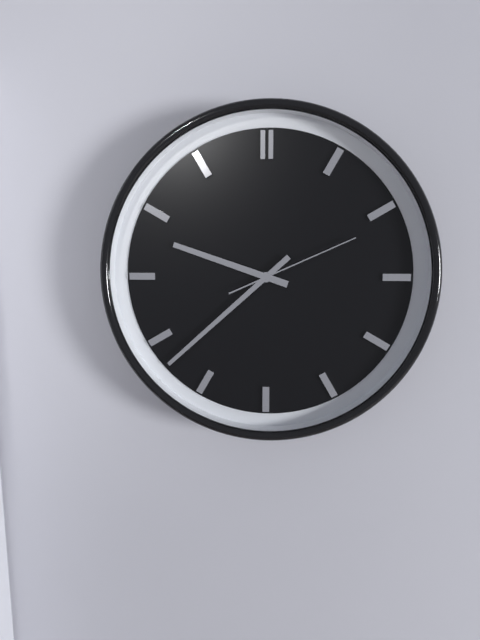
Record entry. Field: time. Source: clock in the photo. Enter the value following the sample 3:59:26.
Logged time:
9:38:11
